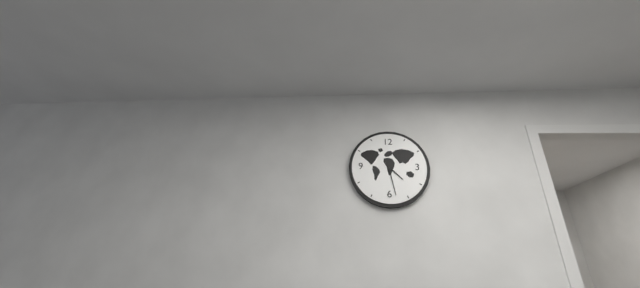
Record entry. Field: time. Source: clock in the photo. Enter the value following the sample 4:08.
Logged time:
4:28
